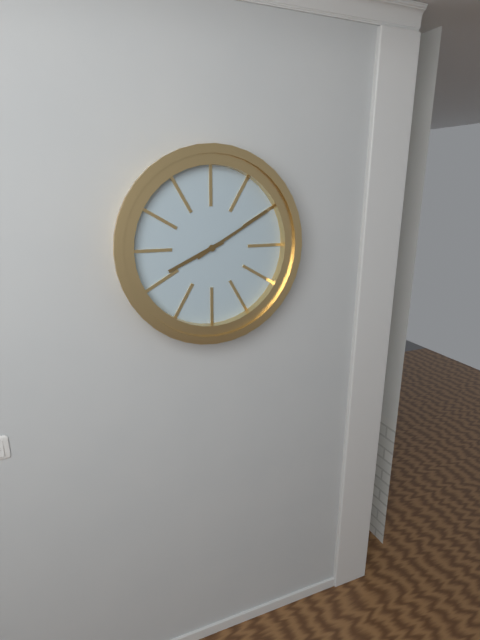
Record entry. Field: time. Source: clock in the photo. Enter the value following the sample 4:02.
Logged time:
8:10
